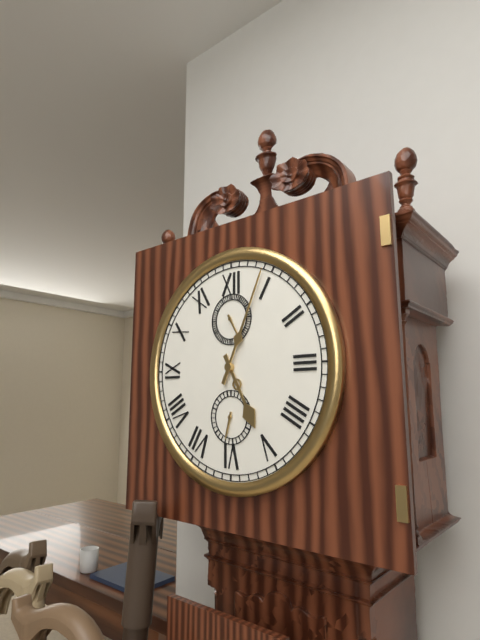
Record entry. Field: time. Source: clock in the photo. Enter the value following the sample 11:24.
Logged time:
5:04
